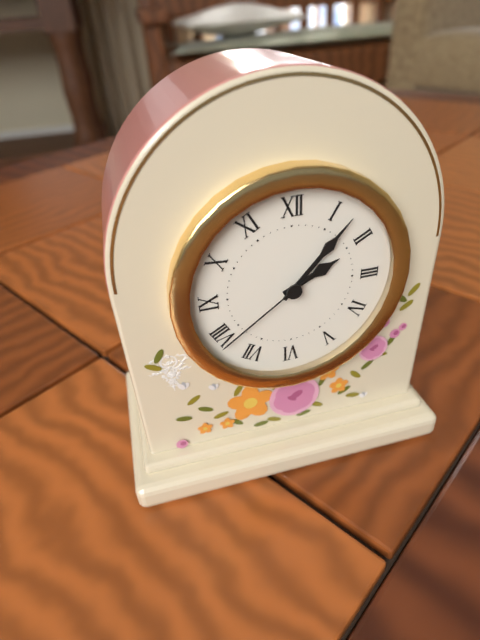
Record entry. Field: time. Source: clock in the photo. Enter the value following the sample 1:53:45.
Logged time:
2:07:39
